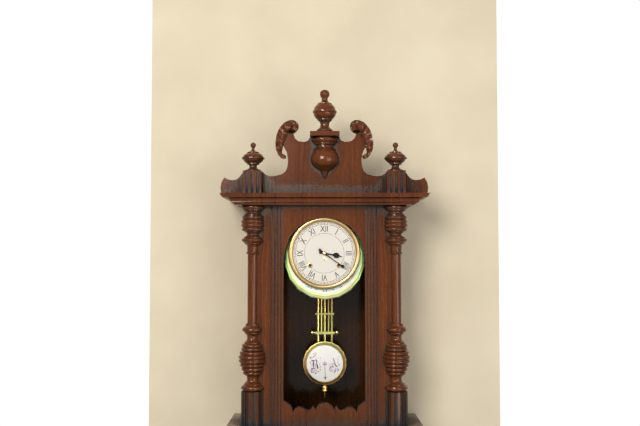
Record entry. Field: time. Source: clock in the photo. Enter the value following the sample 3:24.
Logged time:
3:21
